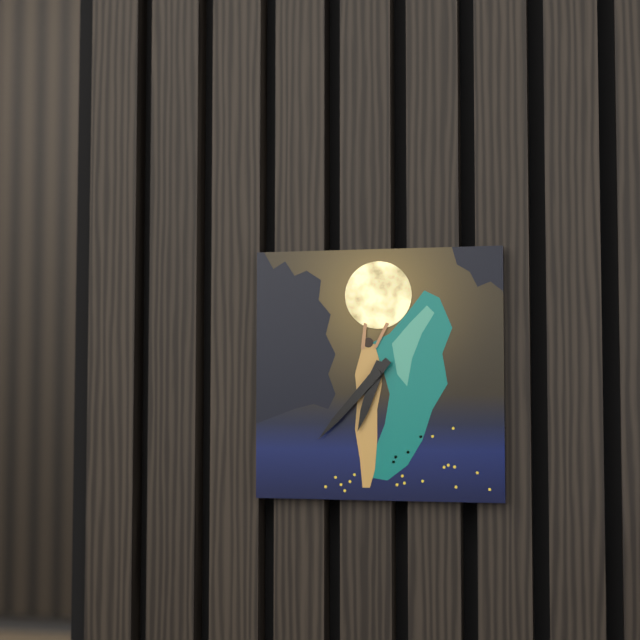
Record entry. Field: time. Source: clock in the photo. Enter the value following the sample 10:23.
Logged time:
6:37
